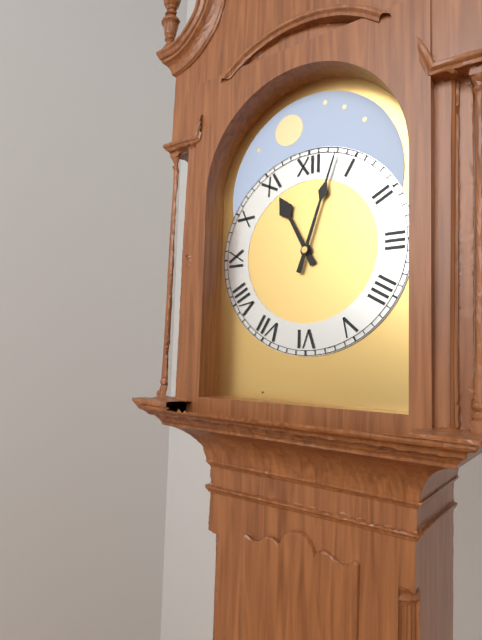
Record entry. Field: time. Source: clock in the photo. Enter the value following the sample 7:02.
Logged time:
11:03
